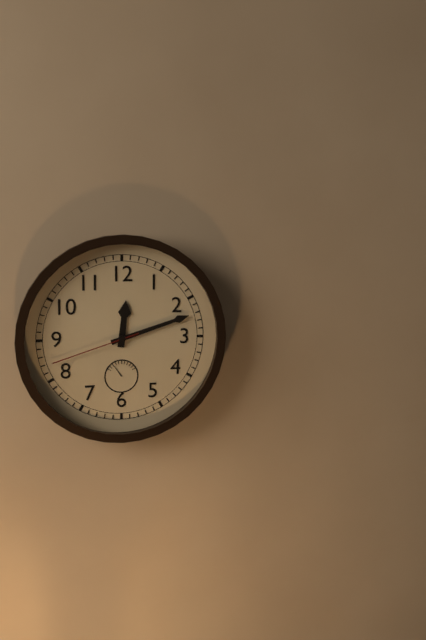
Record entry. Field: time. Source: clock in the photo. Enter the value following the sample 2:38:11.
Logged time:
12:12:42
